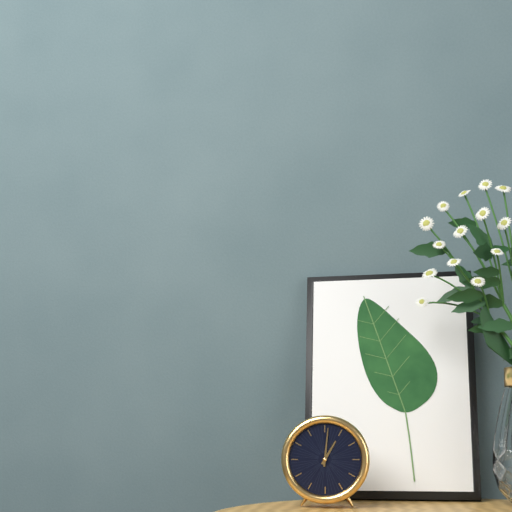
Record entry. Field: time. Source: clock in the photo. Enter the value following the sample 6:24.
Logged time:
1:01
